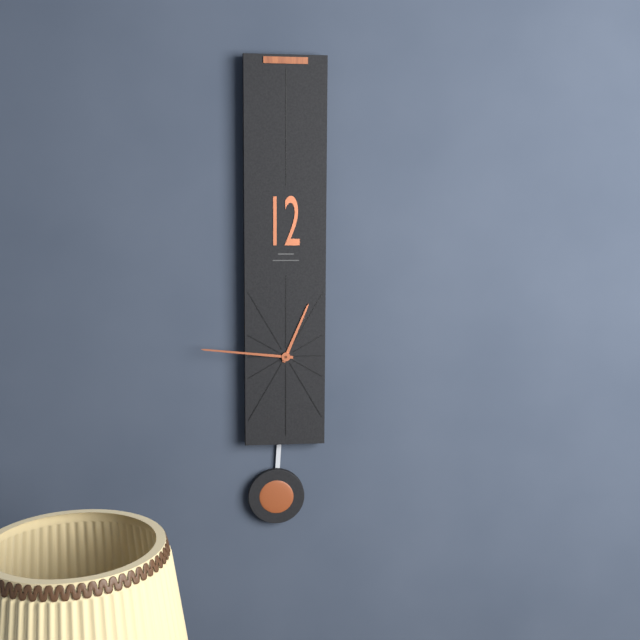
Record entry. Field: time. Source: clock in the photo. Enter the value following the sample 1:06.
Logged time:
12:46
